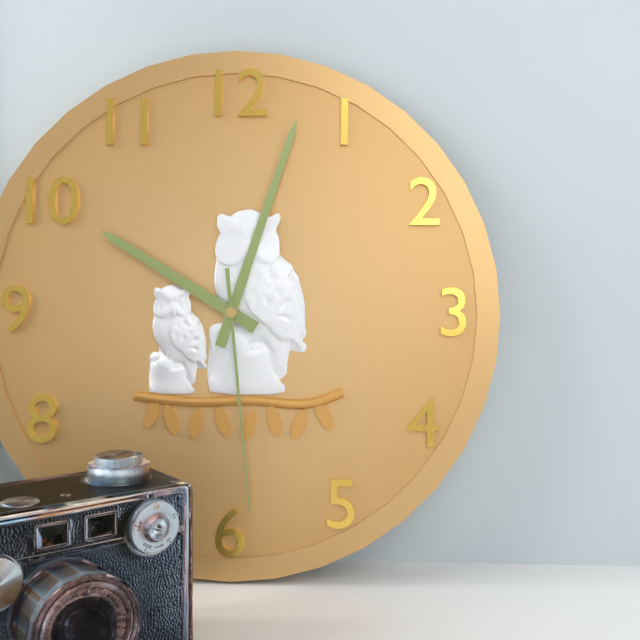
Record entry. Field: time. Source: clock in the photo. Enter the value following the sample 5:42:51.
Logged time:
10:03:29
